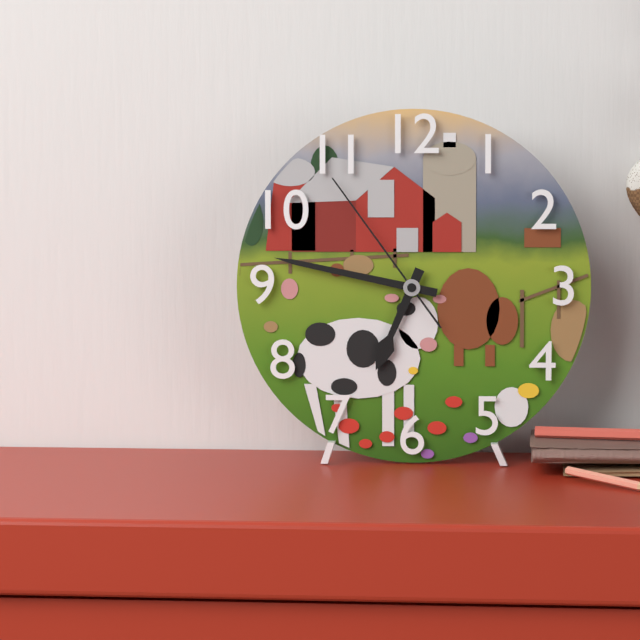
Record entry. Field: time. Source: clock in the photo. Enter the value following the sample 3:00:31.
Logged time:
6:47:54
